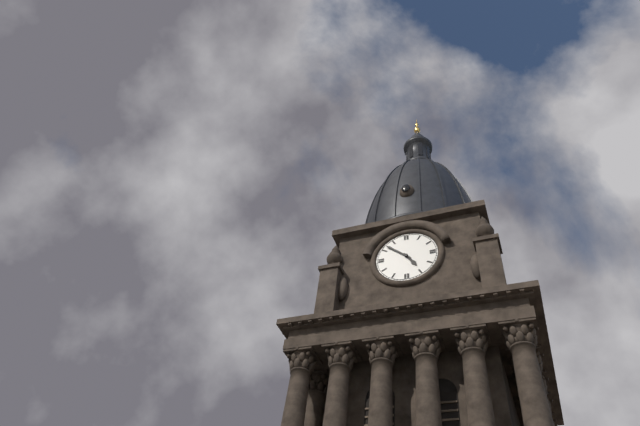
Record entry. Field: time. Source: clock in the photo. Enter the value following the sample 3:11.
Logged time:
4:52
